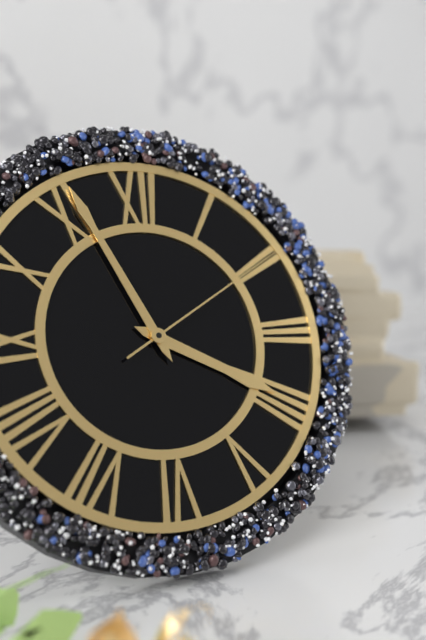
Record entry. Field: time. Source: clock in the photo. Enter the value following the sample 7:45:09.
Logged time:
3:56:10
